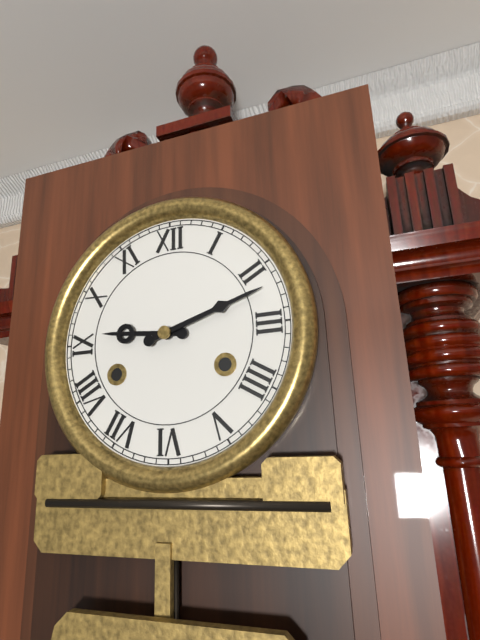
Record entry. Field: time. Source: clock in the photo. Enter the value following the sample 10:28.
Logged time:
9:12
